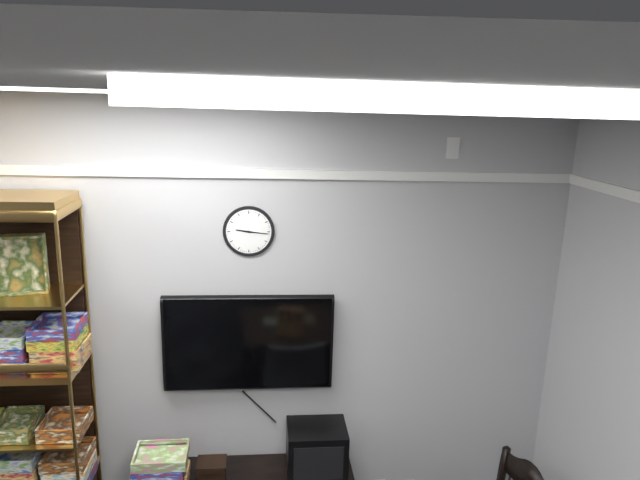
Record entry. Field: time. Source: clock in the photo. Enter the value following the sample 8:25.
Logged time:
9:16
